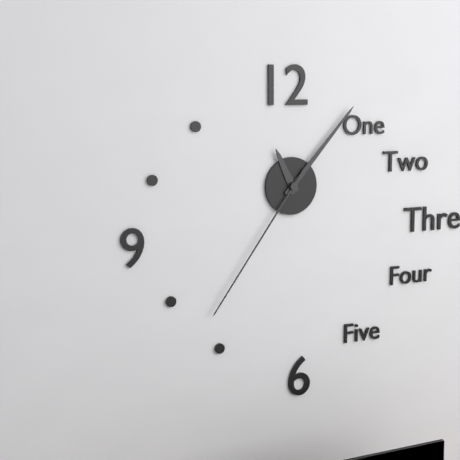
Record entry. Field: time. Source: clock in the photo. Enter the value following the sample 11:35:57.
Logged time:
11:07:36
